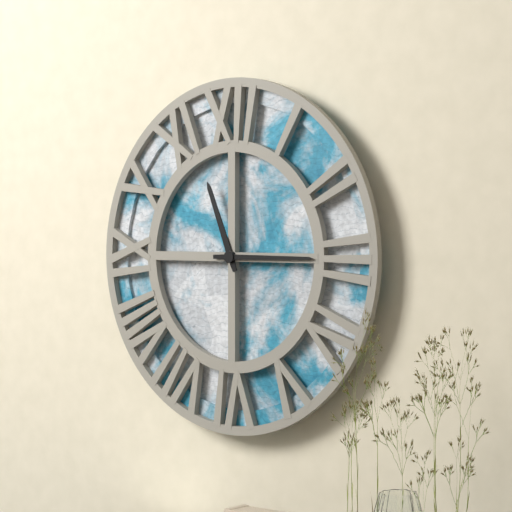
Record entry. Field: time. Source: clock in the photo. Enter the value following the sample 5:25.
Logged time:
11:15
